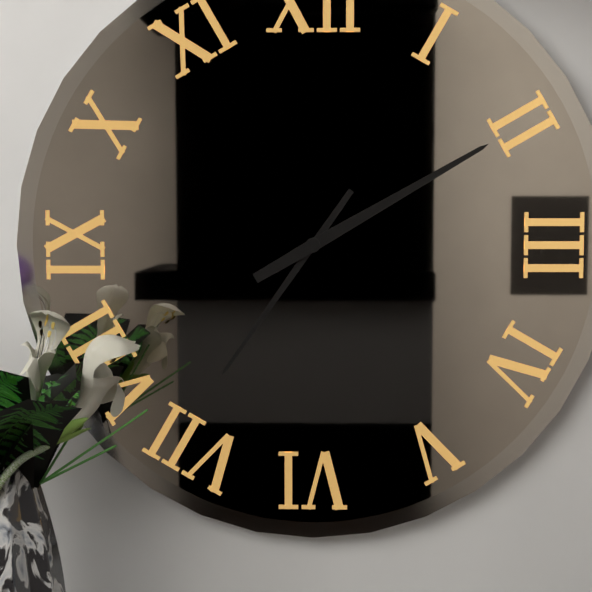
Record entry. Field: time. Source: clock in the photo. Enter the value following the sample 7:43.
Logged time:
7:10
